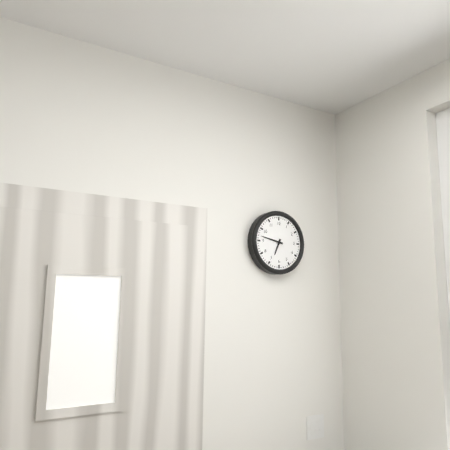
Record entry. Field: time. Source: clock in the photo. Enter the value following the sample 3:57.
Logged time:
6:47
